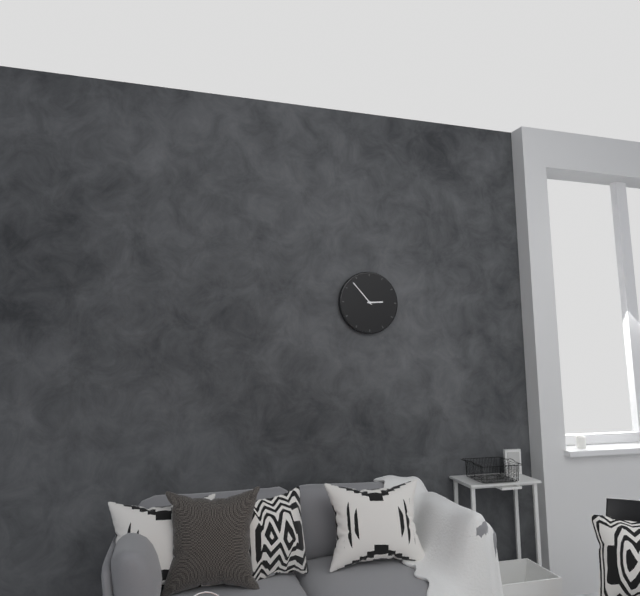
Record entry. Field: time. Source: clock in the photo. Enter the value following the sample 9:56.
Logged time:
2:53
